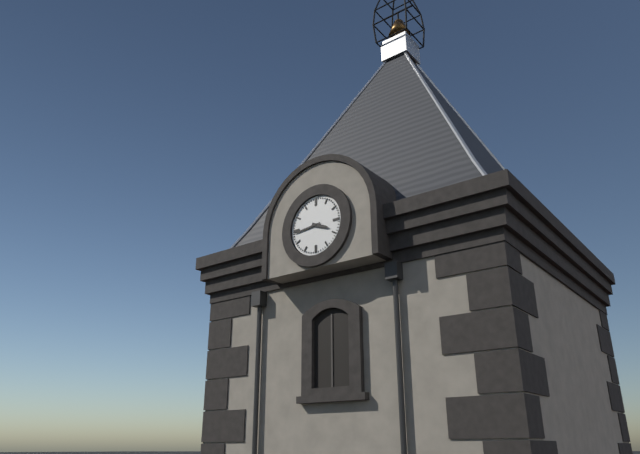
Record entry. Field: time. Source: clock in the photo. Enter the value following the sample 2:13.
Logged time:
3:44
